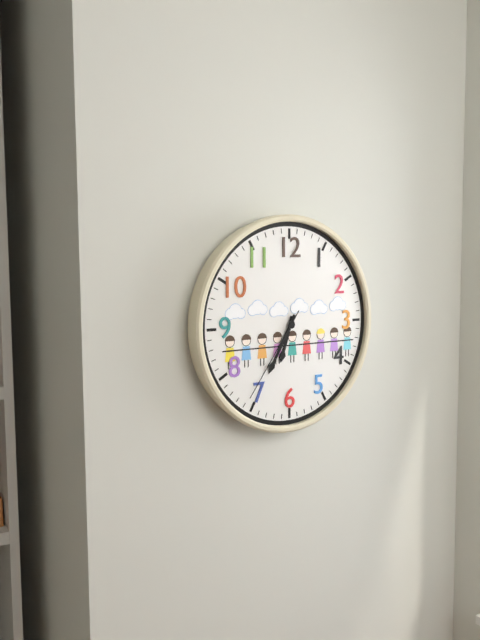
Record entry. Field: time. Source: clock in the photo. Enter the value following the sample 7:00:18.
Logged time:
6:35:36
